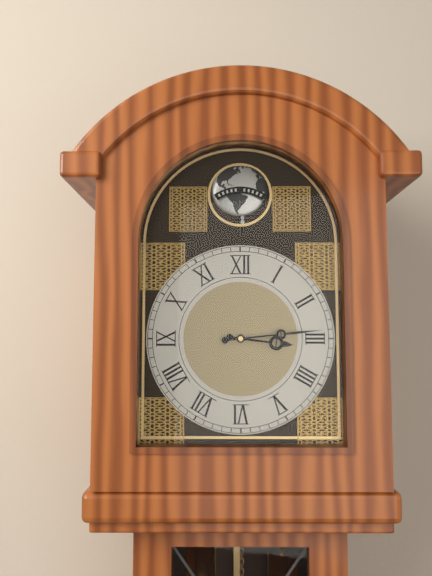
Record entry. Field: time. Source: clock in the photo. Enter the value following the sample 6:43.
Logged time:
3:14
